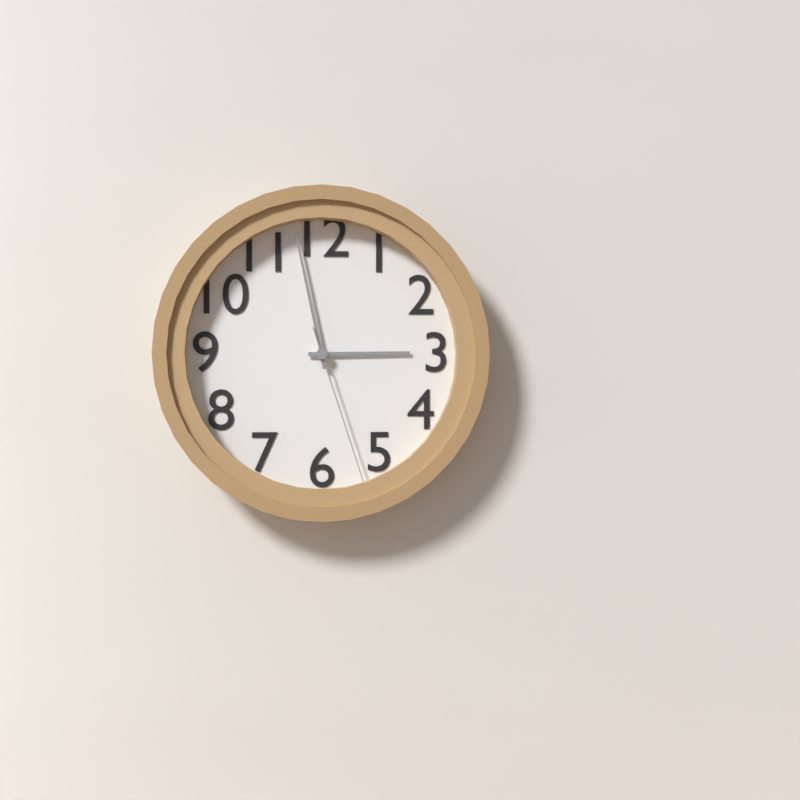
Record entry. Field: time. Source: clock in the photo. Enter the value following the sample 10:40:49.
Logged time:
2:58:27
